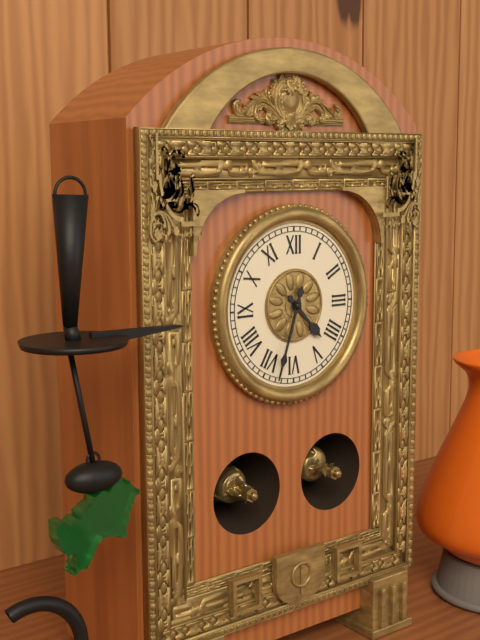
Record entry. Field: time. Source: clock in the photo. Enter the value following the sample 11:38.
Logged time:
4:33
